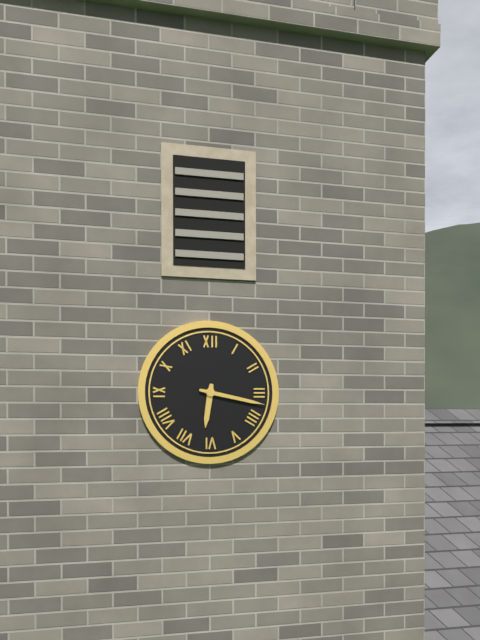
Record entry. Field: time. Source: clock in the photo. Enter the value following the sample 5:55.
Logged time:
6:17
